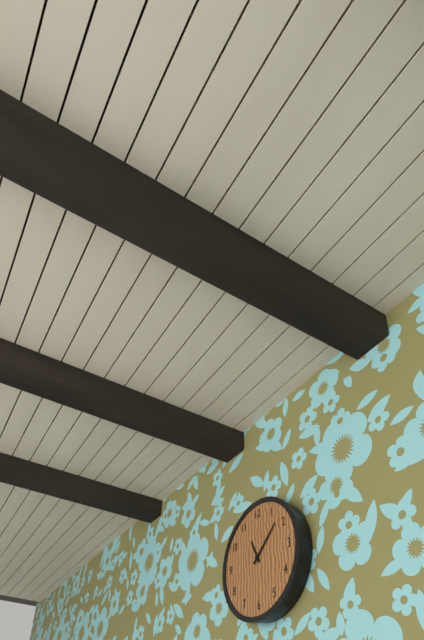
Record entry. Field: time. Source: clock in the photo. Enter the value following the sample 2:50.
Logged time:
11:08
